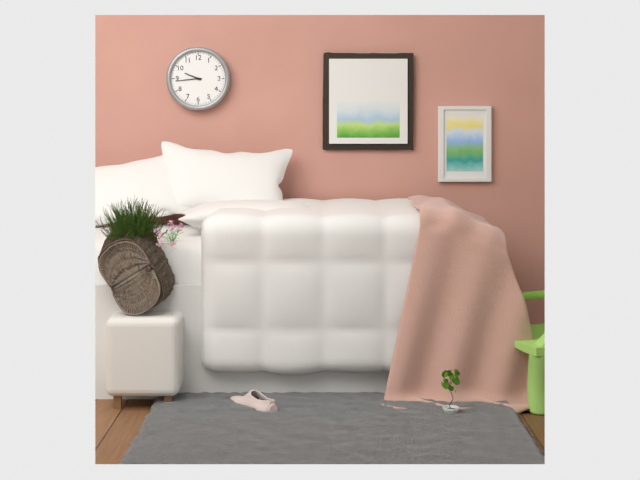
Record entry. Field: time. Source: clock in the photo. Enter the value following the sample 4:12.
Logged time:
9:44
